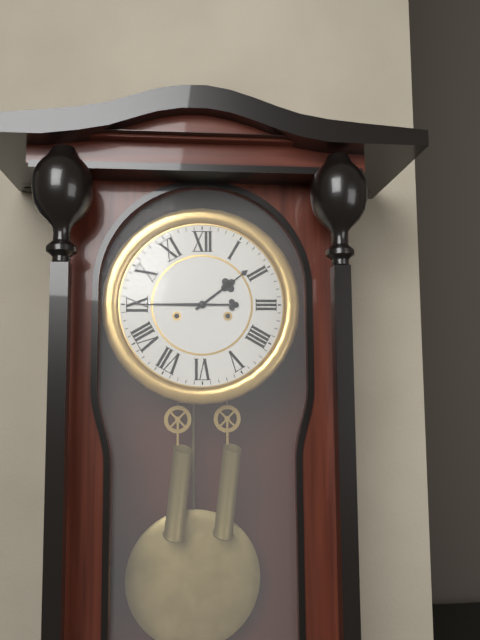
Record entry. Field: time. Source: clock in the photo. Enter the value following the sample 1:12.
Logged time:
1:45
